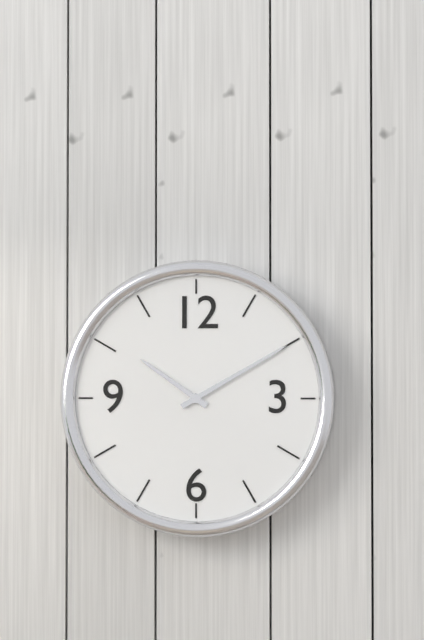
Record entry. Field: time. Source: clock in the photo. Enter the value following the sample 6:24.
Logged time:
10:10
